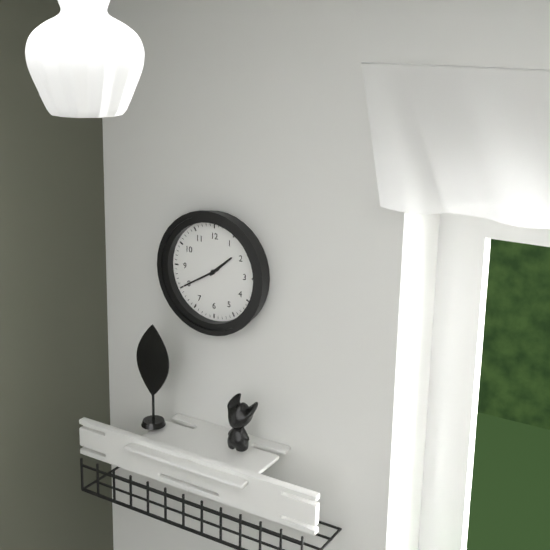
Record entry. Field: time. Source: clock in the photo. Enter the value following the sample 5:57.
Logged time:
1:40
